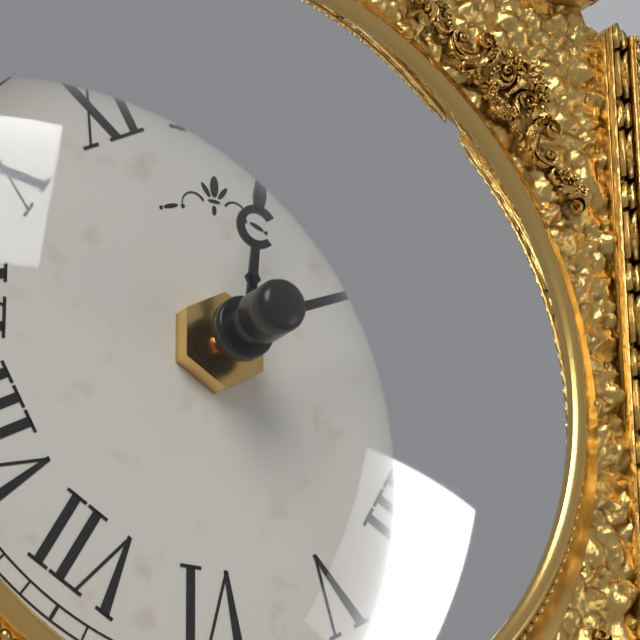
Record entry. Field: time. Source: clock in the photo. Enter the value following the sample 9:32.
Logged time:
12:11
